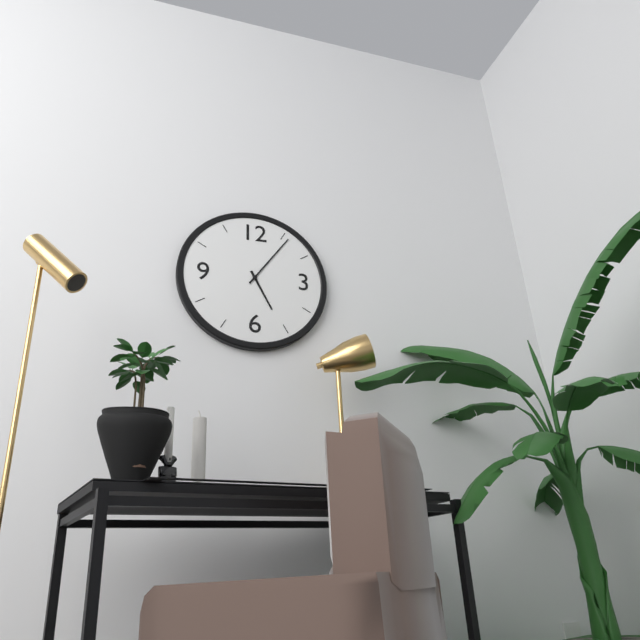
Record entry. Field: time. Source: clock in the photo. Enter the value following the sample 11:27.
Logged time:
5:06
